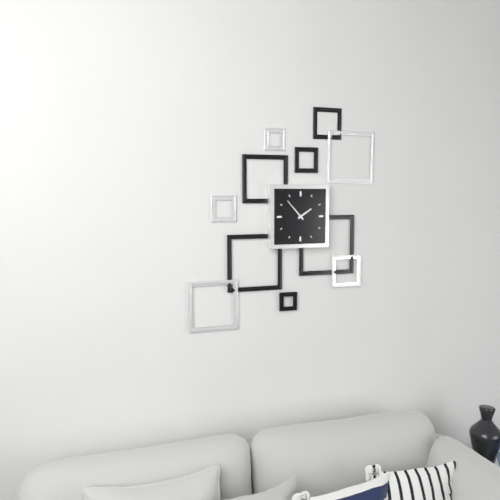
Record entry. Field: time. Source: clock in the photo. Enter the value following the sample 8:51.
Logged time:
1:53
